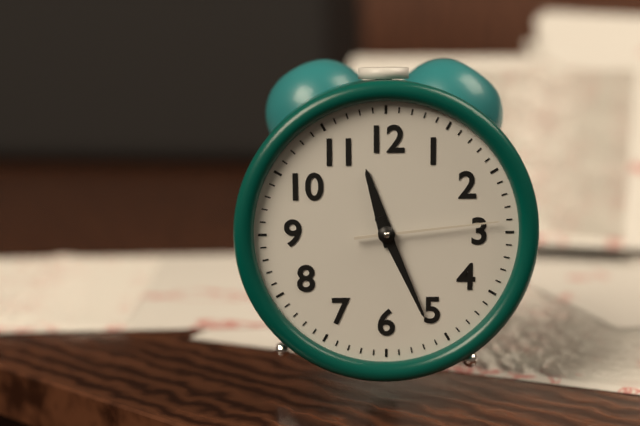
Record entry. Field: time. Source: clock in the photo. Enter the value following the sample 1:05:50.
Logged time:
11:26:14
